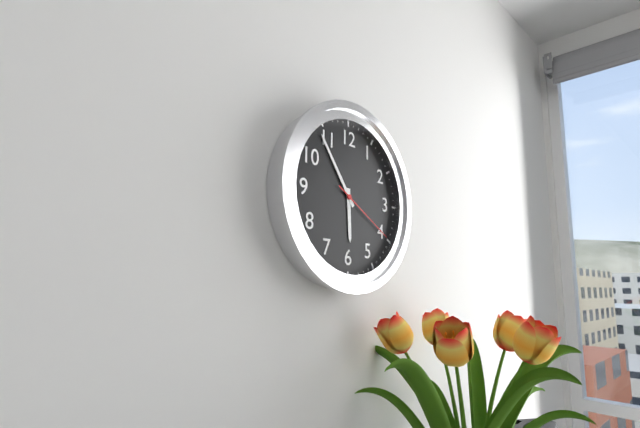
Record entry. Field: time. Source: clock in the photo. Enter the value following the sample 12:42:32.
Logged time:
5:54:20
